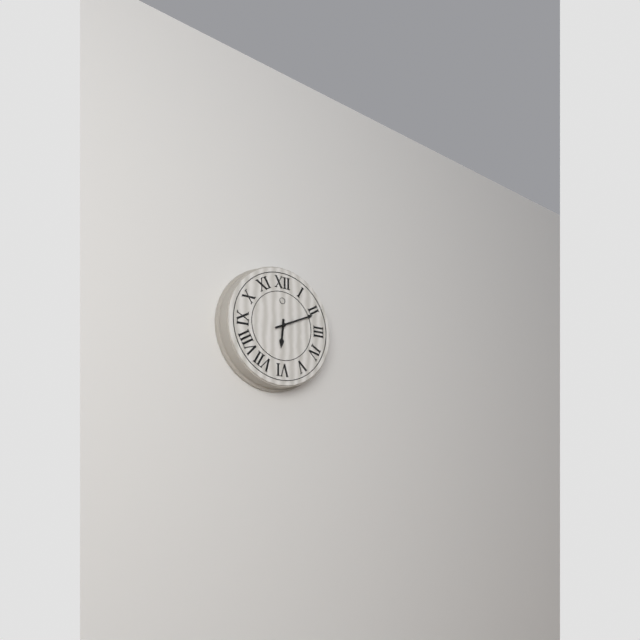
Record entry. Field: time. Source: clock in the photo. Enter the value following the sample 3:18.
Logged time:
6:11
